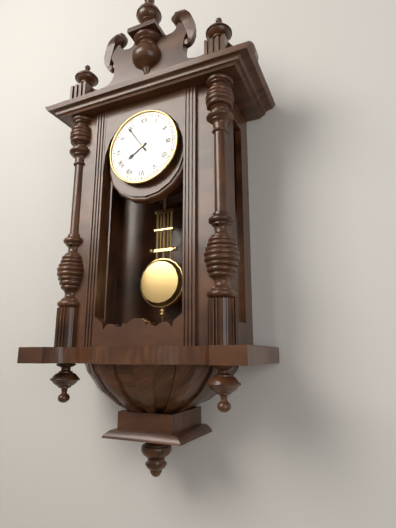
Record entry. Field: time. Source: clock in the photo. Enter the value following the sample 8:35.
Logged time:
7:54
